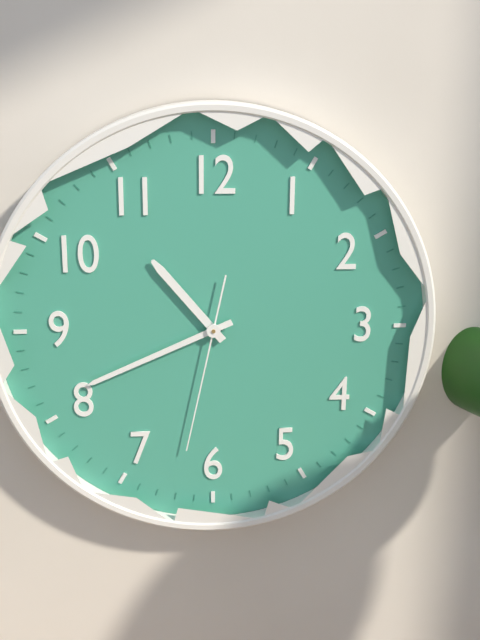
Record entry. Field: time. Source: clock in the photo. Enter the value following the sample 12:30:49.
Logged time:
10:41:32
